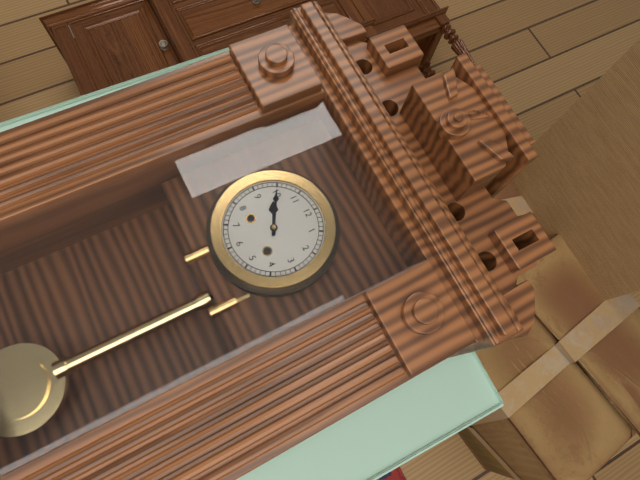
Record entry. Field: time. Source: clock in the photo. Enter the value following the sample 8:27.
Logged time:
9:50
